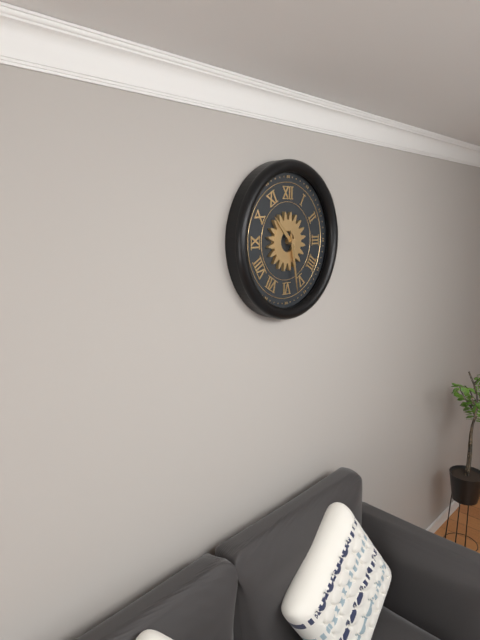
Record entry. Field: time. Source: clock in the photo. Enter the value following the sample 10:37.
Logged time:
10:28
